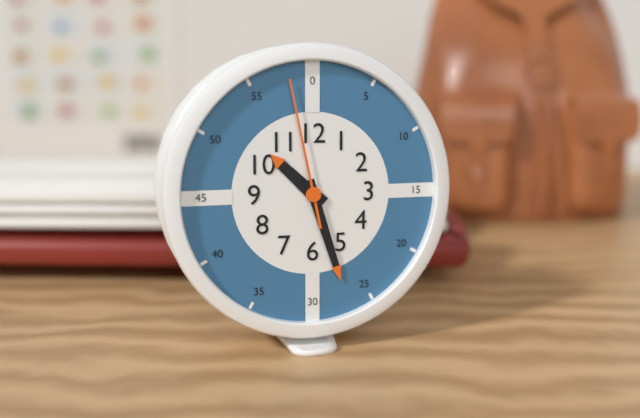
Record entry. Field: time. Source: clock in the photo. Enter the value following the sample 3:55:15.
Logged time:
10:27:58
